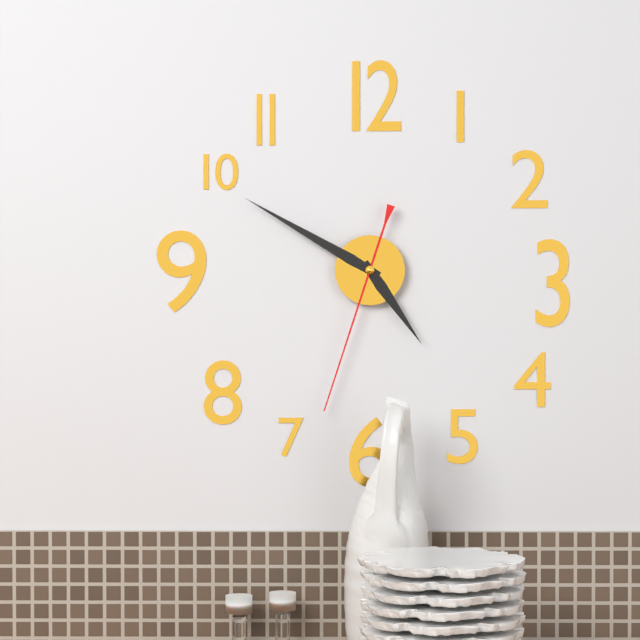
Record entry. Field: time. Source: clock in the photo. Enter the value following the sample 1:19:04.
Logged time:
4:50:33
